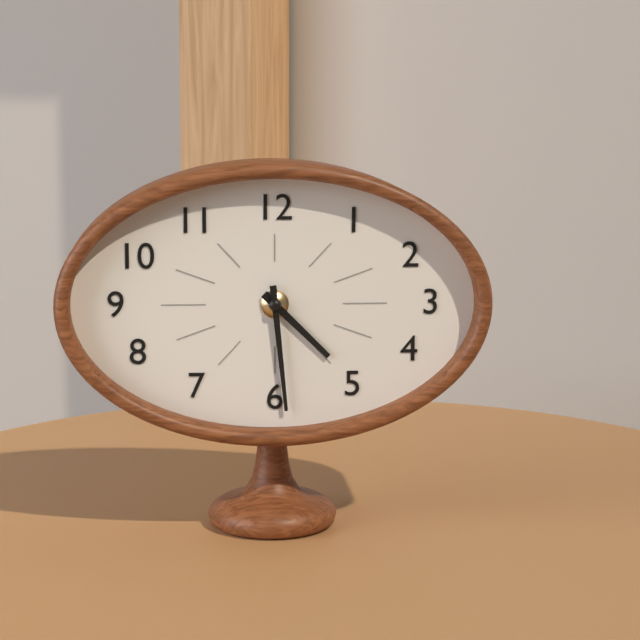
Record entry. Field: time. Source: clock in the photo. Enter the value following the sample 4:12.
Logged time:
4:29
